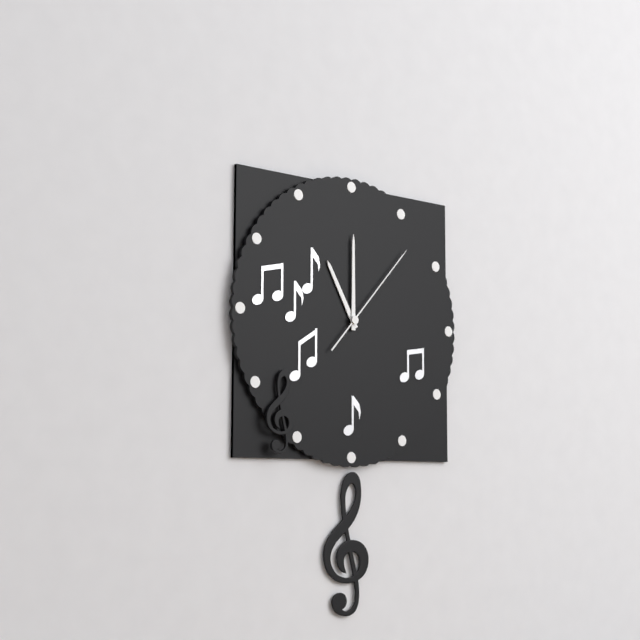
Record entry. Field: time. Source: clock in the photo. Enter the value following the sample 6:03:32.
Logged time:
11:00:07
